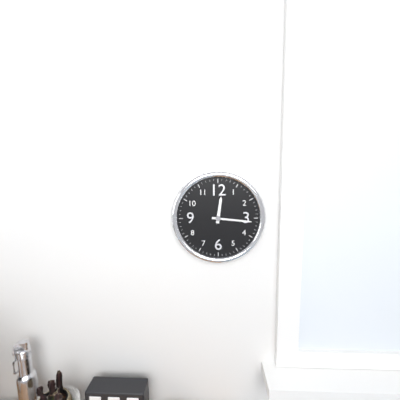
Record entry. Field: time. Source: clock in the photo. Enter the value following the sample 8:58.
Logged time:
12:16
